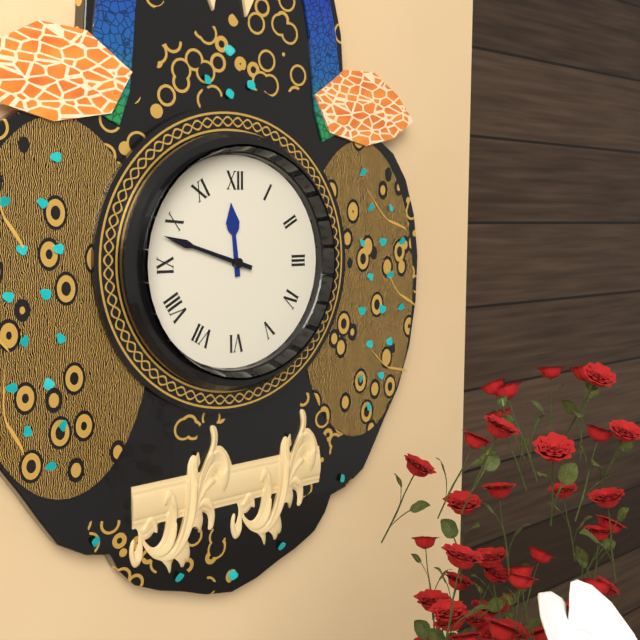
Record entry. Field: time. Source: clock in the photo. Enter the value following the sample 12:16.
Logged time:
11:48
